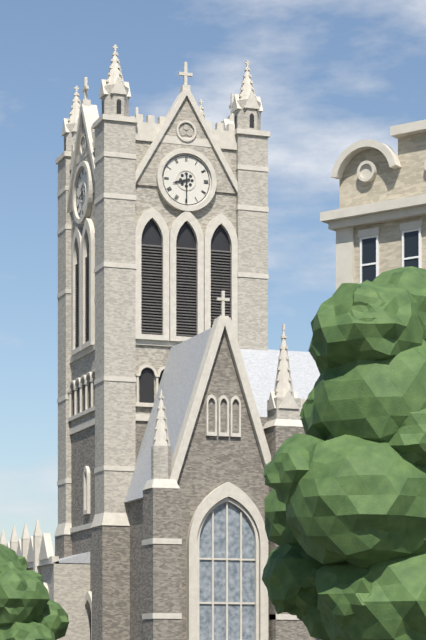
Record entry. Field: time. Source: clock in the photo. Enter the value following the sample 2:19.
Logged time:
8:30
